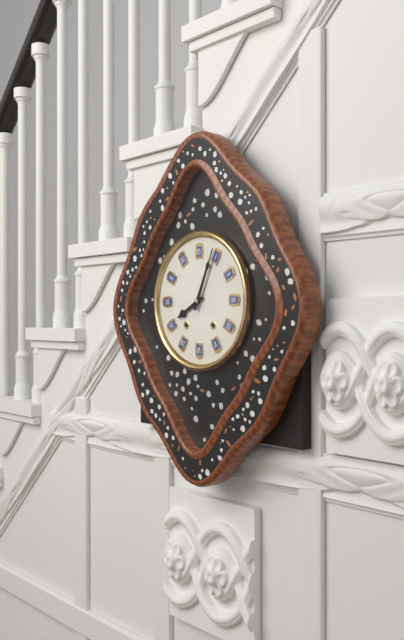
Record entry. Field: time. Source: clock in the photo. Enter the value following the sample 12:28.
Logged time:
8:04
